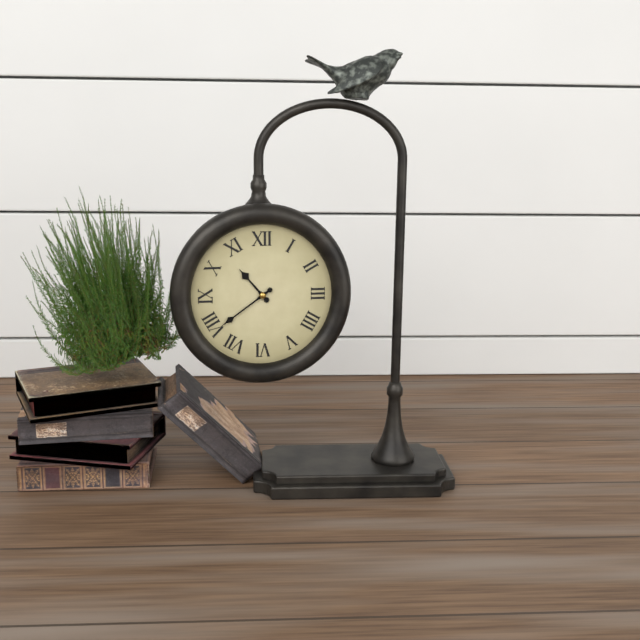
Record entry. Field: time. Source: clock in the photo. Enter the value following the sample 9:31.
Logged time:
10:39
